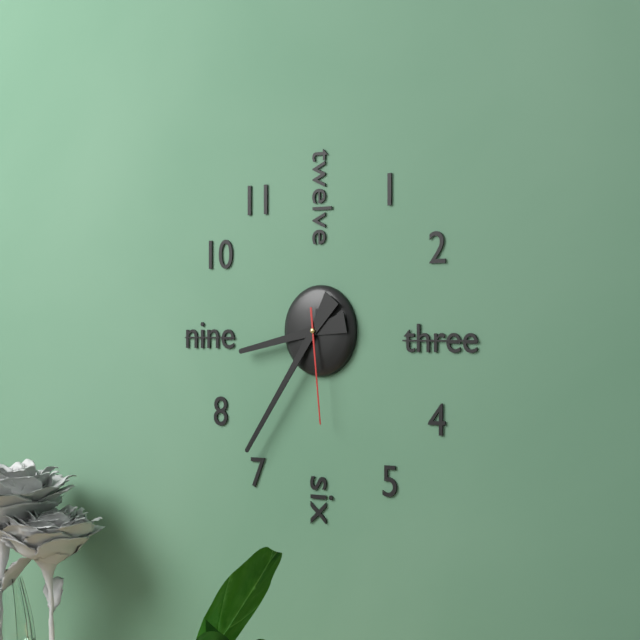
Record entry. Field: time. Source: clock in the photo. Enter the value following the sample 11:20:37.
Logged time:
8:36:29
